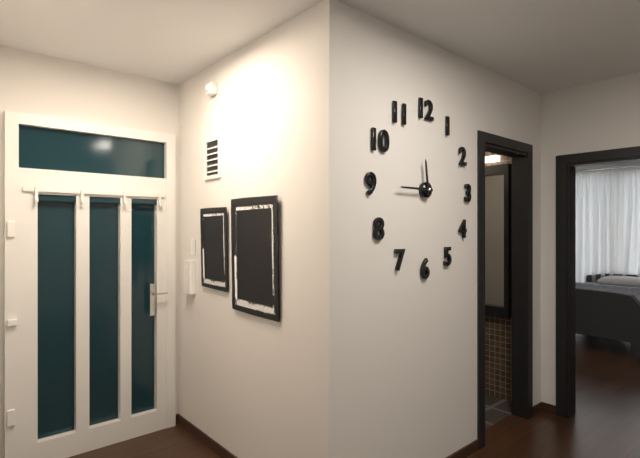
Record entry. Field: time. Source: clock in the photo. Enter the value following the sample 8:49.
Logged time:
11:45
